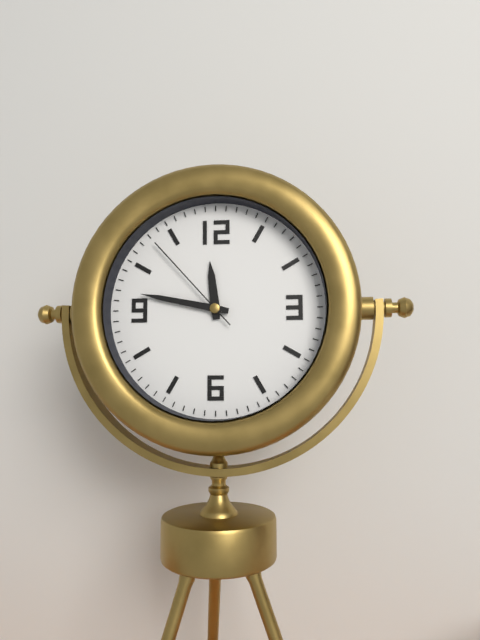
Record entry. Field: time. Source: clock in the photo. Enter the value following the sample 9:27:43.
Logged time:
11:47:53
